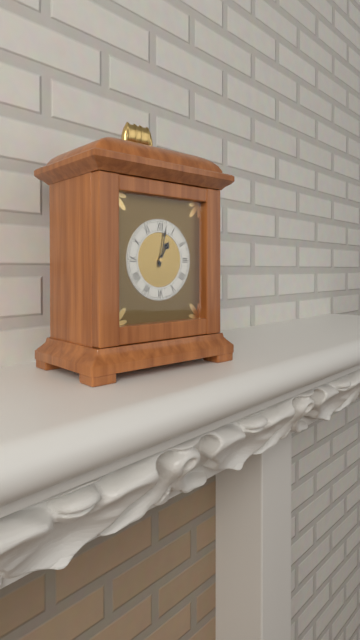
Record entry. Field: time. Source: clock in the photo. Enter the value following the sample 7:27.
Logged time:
1:02
